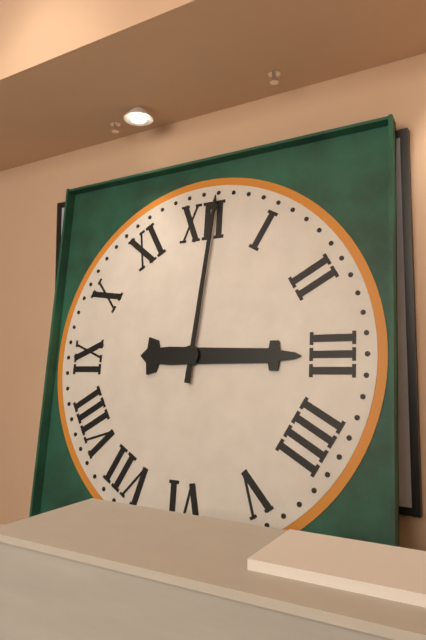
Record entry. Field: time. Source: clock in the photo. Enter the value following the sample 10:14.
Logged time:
3:01
